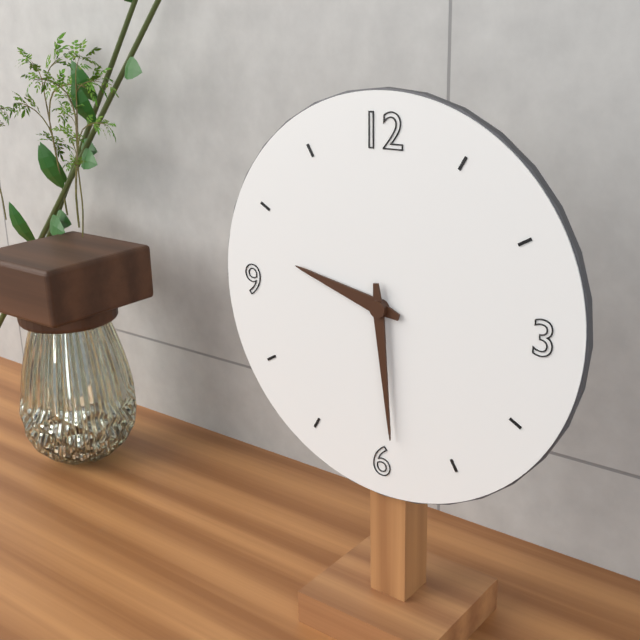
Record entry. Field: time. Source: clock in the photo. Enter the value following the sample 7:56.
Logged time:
9:29
